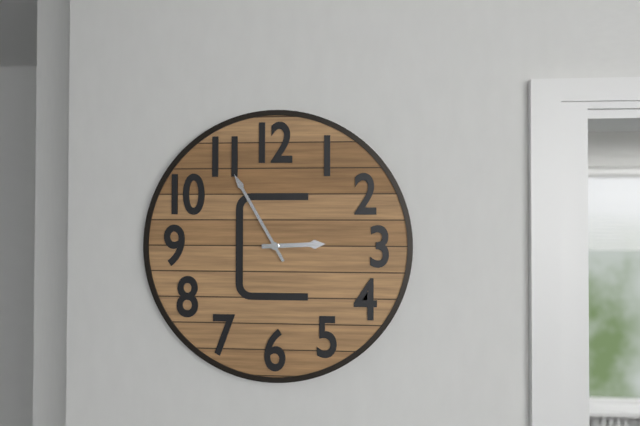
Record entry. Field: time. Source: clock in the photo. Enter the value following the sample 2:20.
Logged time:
2:55
